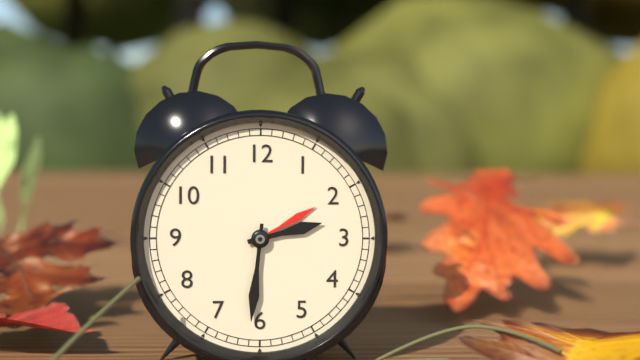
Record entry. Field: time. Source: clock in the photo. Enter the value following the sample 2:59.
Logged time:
2:31
